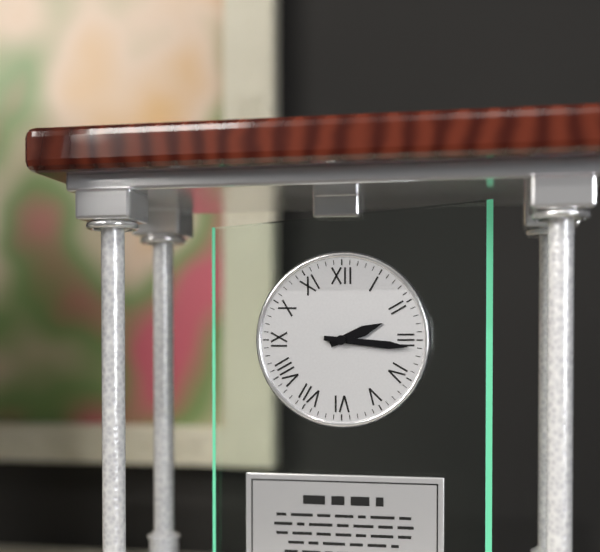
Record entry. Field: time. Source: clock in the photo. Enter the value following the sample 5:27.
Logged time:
2:16
